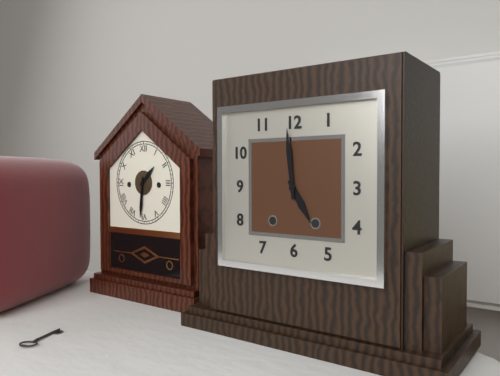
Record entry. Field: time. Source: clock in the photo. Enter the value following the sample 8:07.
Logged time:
4:59
